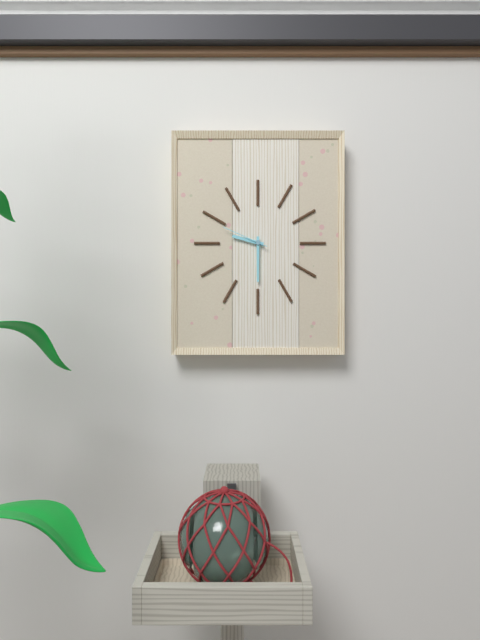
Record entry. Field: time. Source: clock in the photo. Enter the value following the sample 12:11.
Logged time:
9:30
